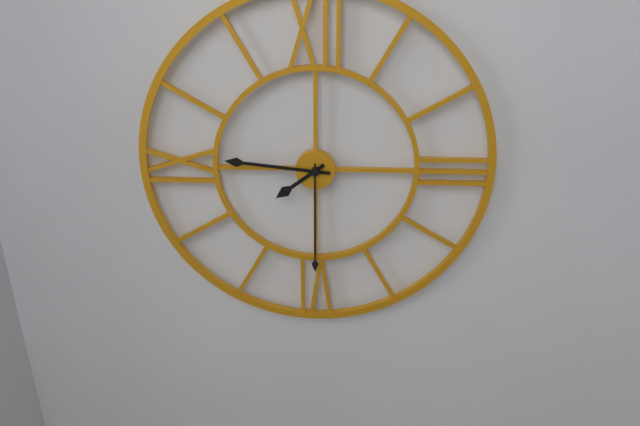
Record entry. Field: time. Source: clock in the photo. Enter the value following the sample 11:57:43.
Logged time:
7:46:30
